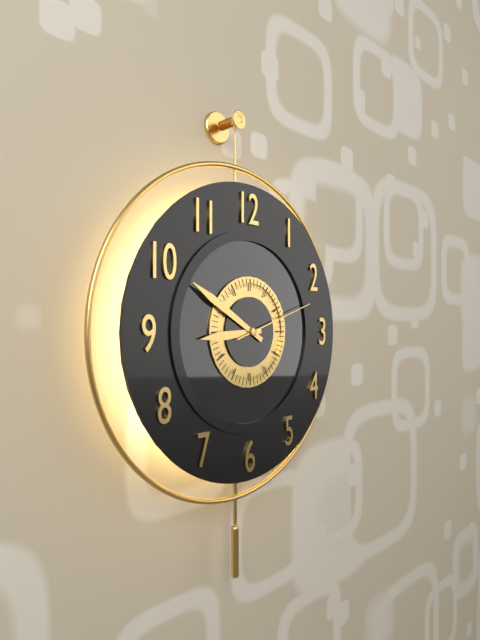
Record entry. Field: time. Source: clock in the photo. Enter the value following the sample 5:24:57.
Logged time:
8:50:12
